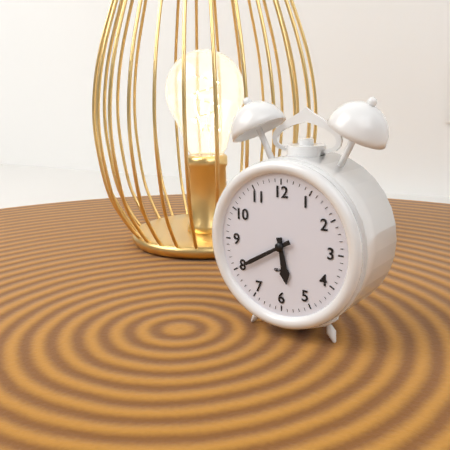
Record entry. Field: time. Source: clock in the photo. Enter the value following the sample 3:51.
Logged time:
5:40
